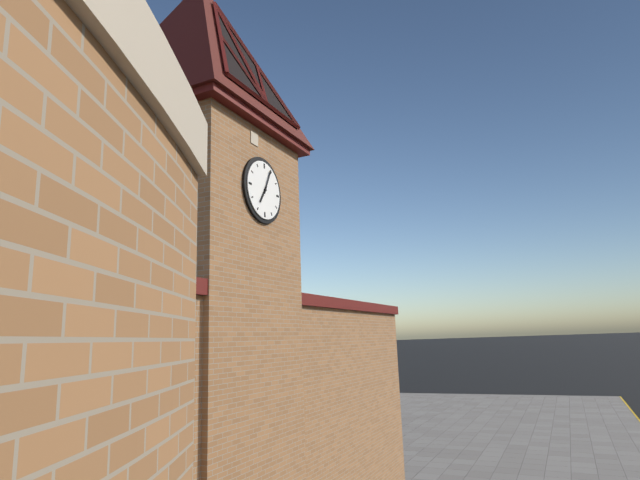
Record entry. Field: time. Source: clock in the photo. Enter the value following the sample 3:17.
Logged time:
7:04
